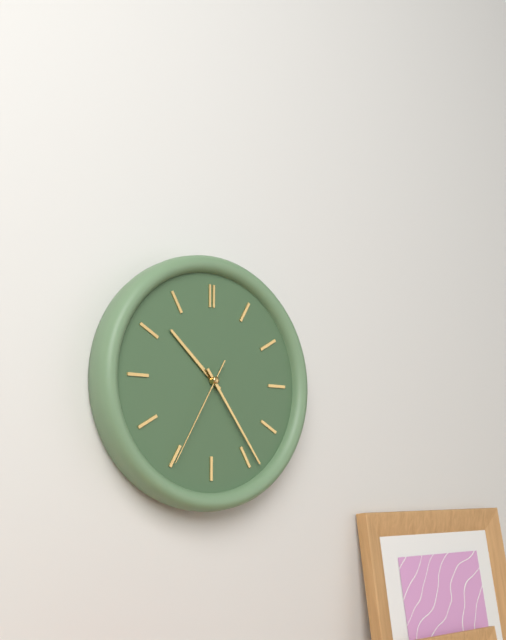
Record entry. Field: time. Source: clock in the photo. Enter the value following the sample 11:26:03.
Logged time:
10:24:35
